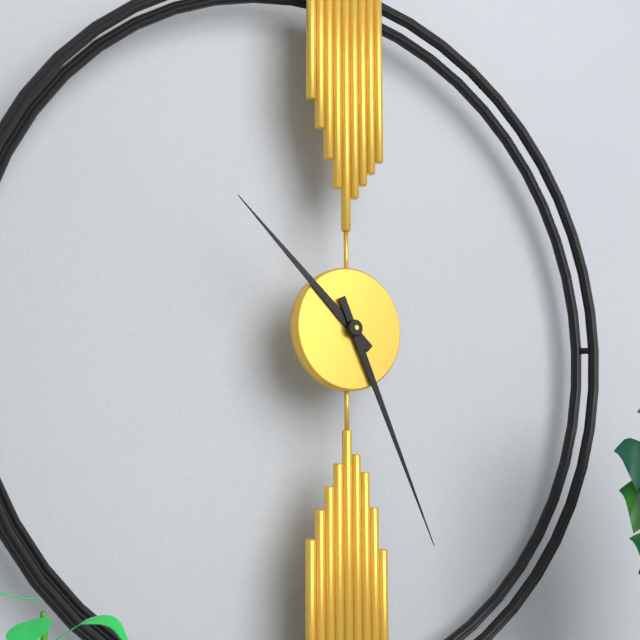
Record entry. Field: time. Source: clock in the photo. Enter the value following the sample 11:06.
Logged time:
10:26
